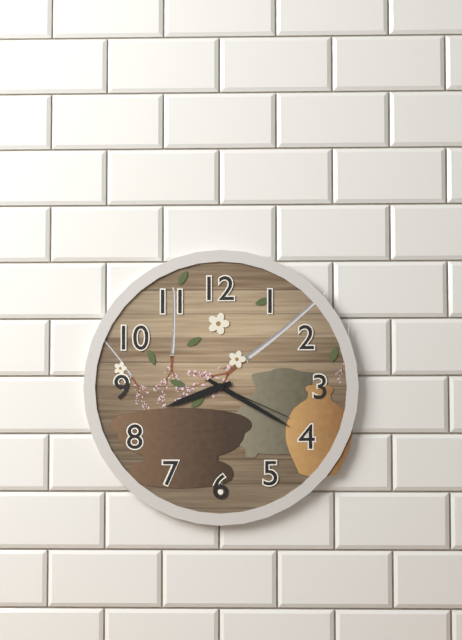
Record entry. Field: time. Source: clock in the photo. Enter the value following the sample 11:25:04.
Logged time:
8:20:19
